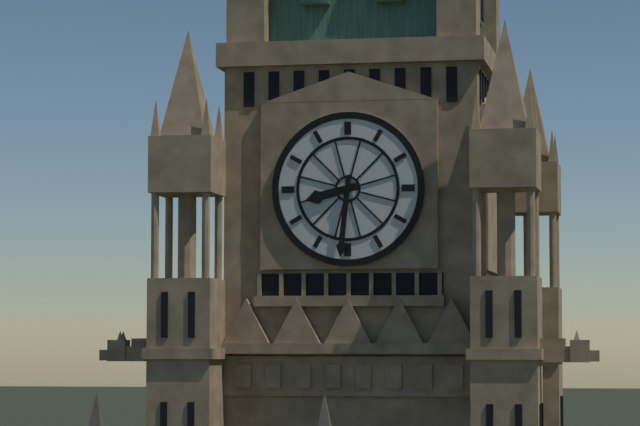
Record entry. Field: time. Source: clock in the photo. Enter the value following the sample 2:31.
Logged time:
8:31
